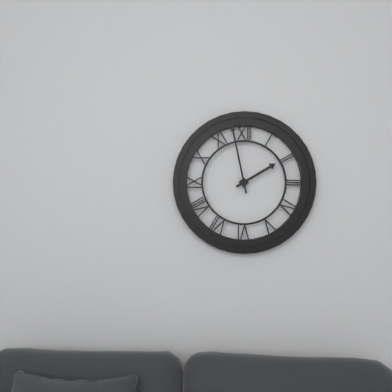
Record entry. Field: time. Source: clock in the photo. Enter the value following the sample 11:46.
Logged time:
1:58
